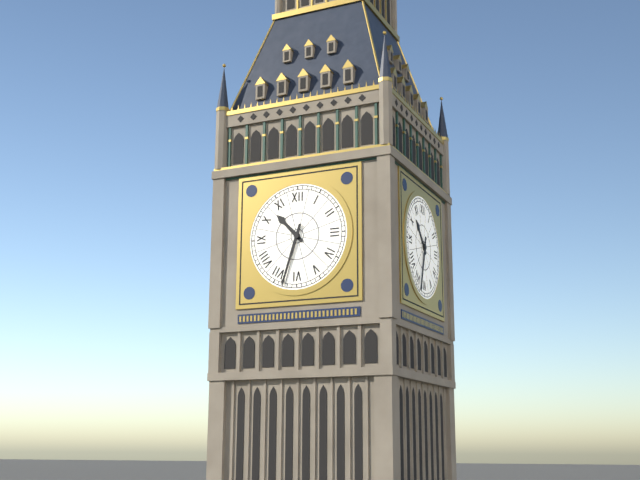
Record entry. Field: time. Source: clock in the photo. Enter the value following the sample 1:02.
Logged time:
10:33
